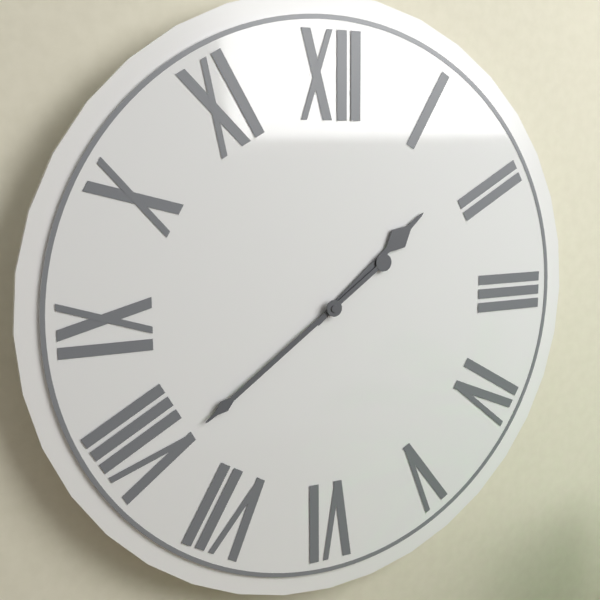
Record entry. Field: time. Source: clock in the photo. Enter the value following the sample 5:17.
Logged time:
1:39
